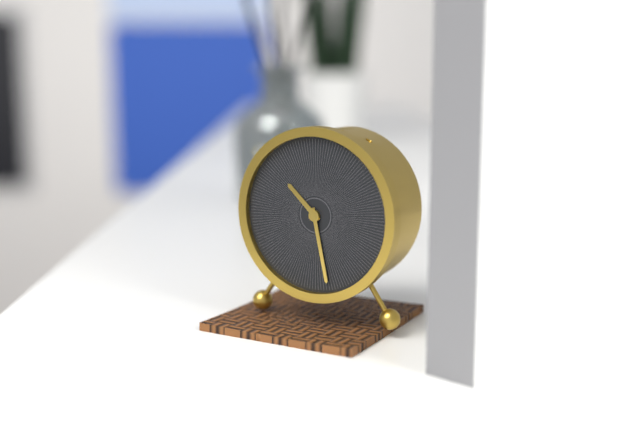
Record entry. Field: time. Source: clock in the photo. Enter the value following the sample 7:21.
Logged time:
10:28
